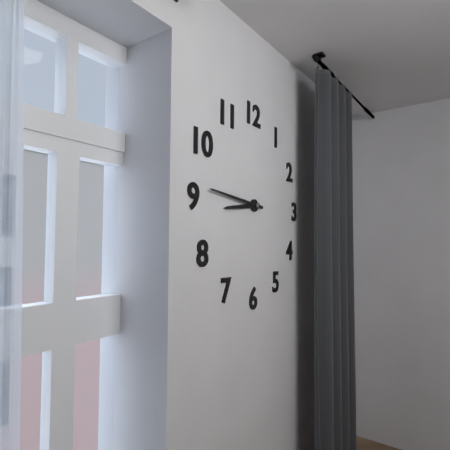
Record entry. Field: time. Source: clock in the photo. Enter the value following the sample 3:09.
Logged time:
8:46
